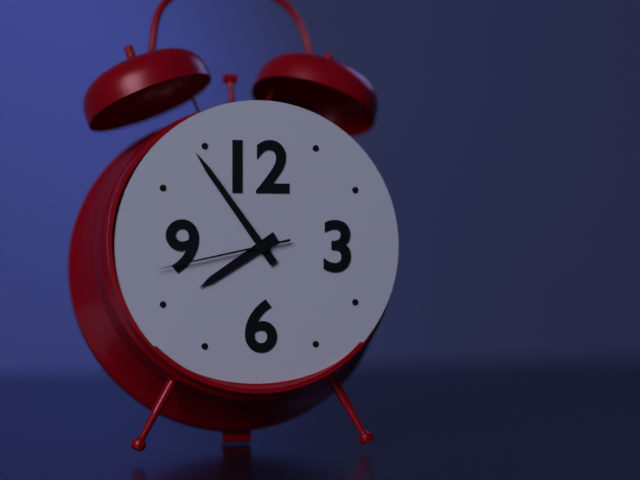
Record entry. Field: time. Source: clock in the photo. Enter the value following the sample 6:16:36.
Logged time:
7:54:43
